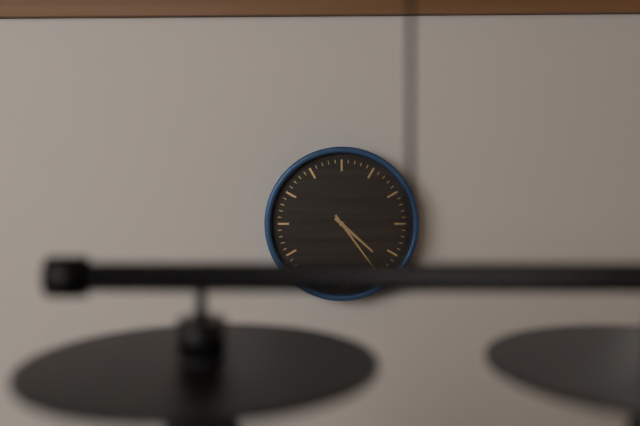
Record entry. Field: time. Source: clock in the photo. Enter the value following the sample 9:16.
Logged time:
4:24
